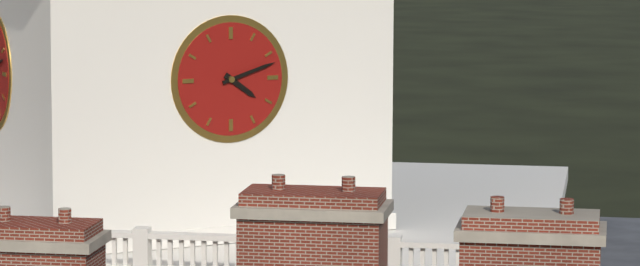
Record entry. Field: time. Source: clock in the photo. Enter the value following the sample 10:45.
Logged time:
4:12
